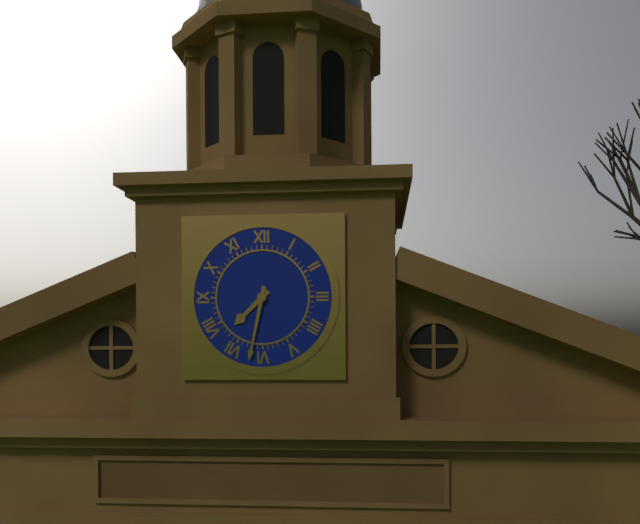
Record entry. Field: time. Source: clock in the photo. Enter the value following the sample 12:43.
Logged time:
7:32
